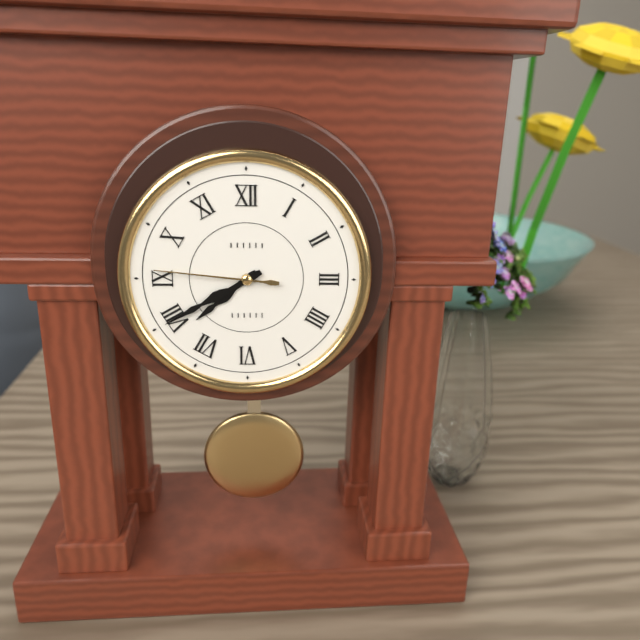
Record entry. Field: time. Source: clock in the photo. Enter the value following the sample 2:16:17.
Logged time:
7:40:46
